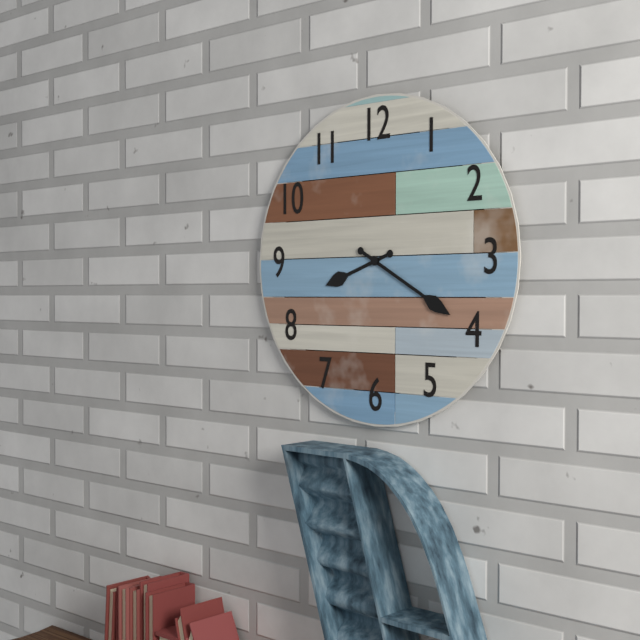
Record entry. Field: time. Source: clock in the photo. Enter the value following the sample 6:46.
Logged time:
8:20
